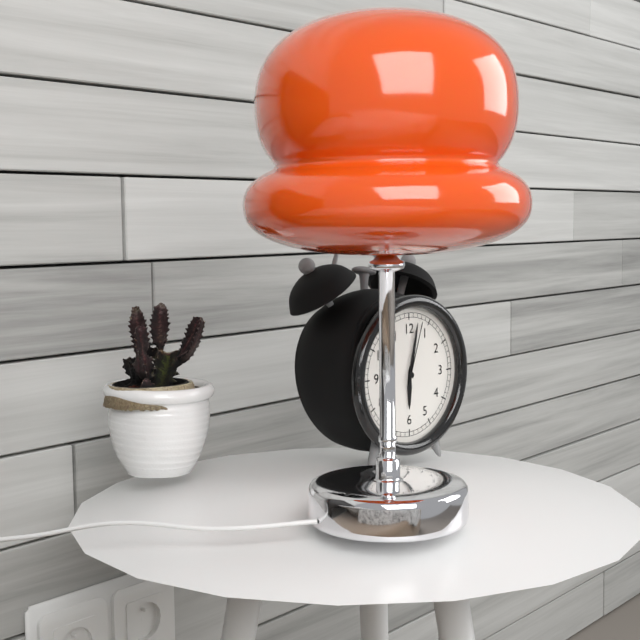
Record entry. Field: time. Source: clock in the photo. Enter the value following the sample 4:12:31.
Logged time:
6:02:03
